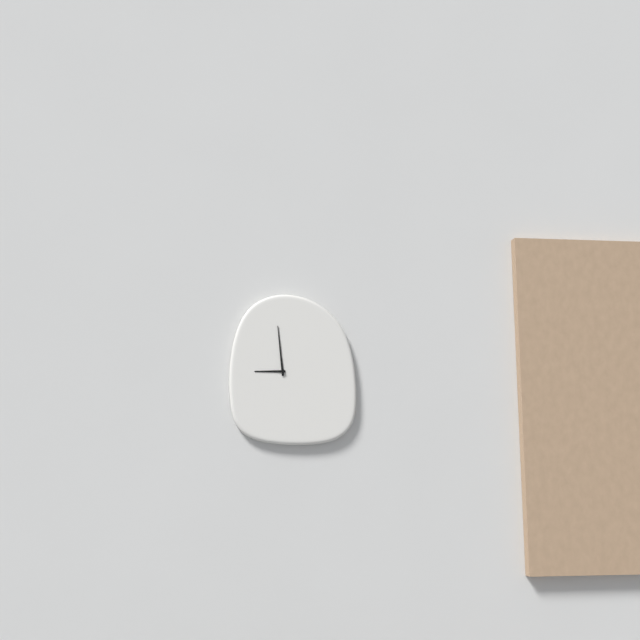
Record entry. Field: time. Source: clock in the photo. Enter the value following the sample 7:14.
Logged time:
8:59
